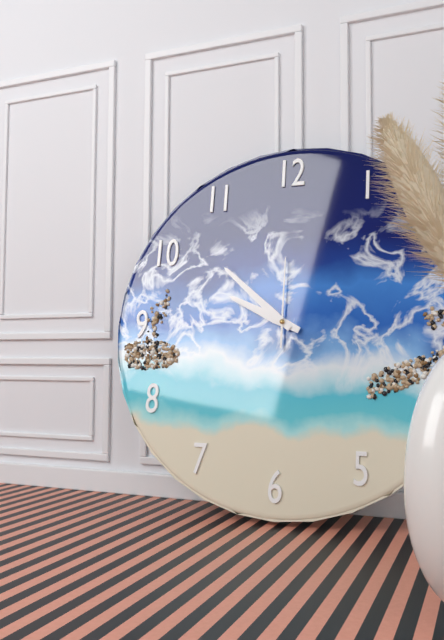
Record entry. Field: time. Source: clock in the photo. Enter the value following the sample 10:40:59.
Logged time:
9:52:00
